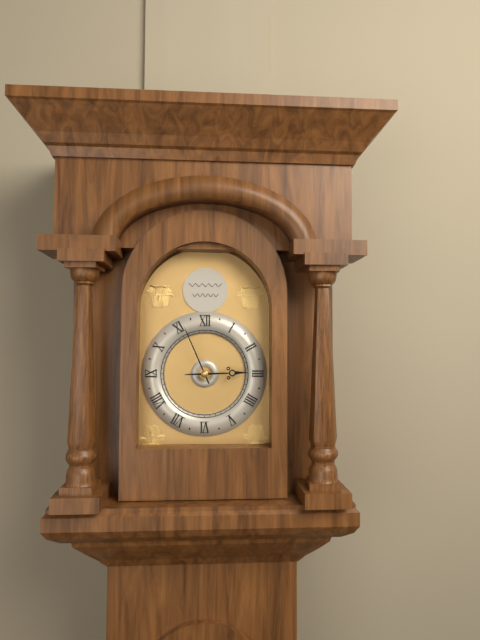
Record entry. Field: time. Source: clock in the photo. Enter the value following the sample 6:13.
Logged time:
2:56
